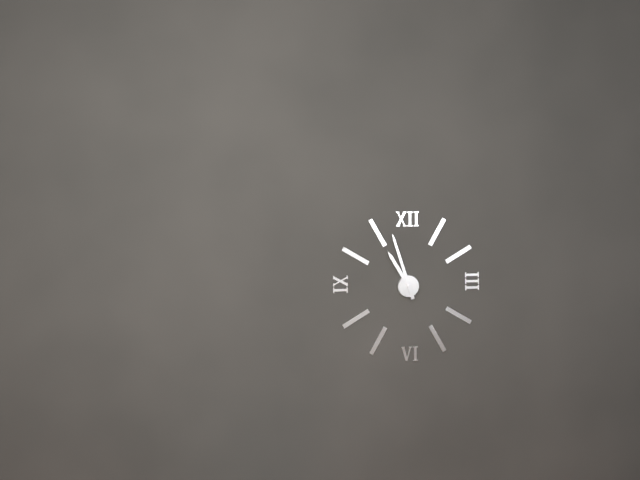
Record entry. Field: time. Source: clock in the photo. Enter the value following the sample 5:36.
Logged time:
10:57
